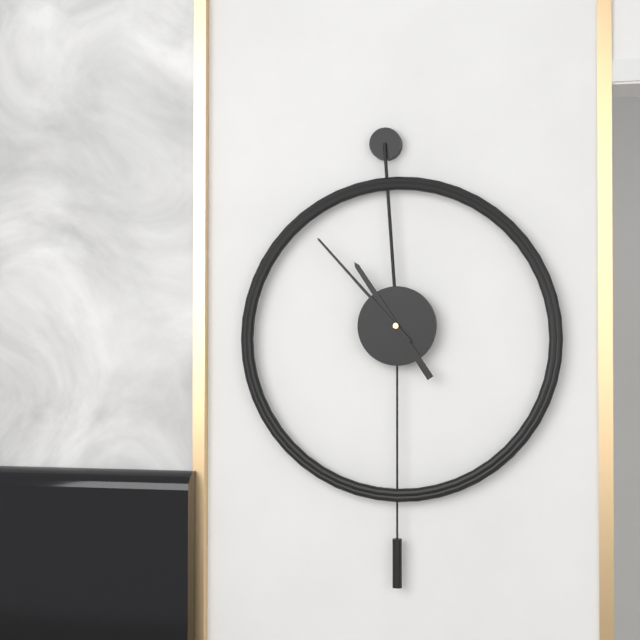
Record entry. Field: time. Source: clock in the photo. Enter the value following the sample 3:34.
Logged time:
10:53
